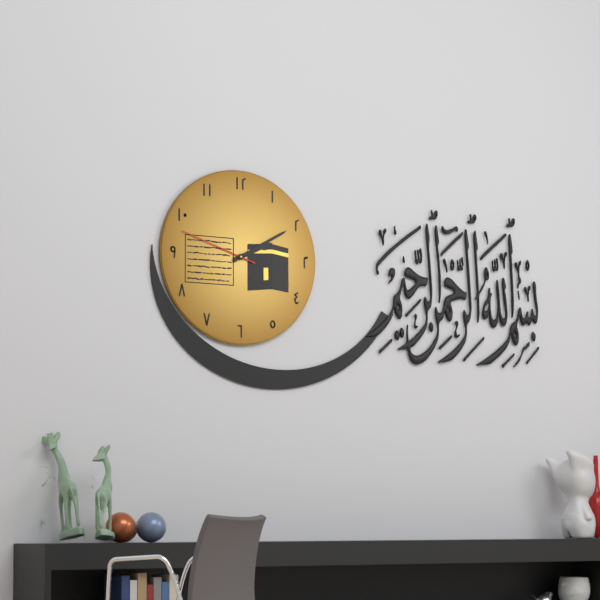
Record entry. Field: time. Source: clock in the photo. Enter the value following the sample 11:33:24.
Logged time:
2:10:48
